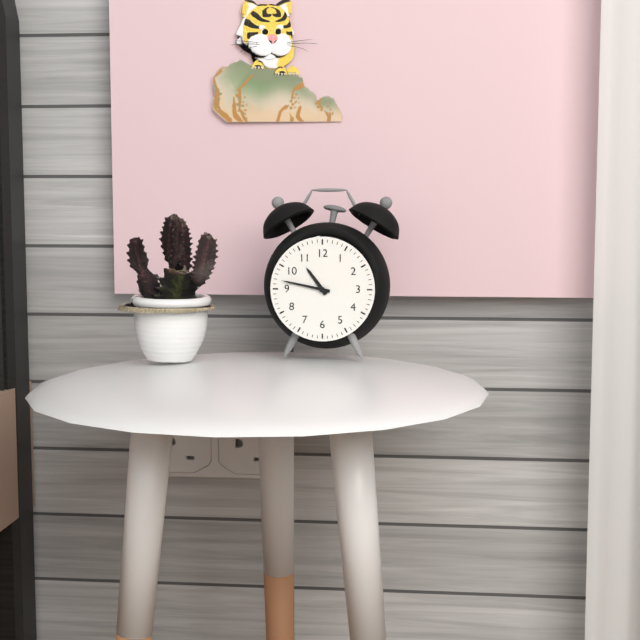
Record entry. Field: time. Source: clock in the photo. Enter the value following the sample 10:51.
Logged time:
10:47
